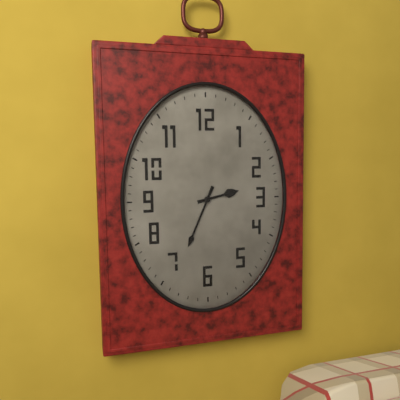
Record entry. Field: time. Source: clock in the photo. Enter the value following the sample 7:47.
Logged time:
2:34
